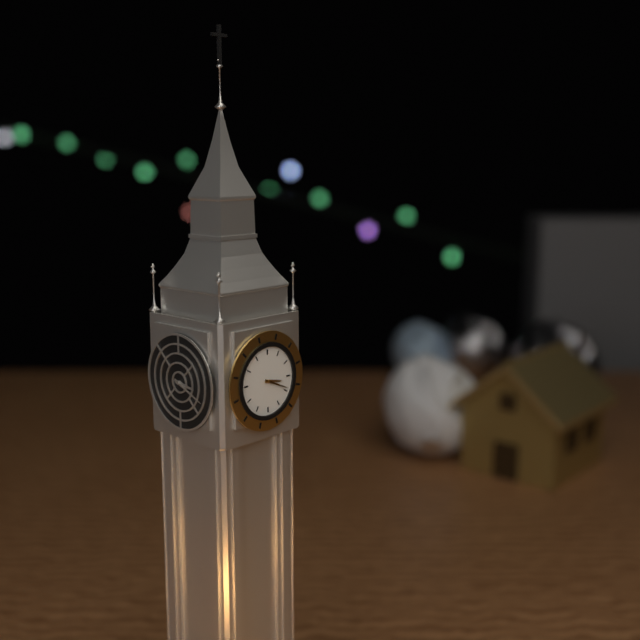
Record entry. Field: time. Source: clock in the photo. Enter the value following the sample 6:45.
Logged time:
3:19
